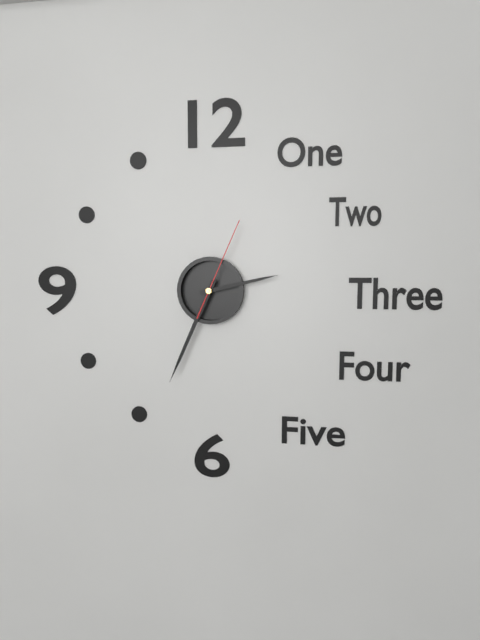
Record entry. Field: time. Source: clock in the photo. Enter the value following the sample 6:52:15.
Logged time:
2:34:04
